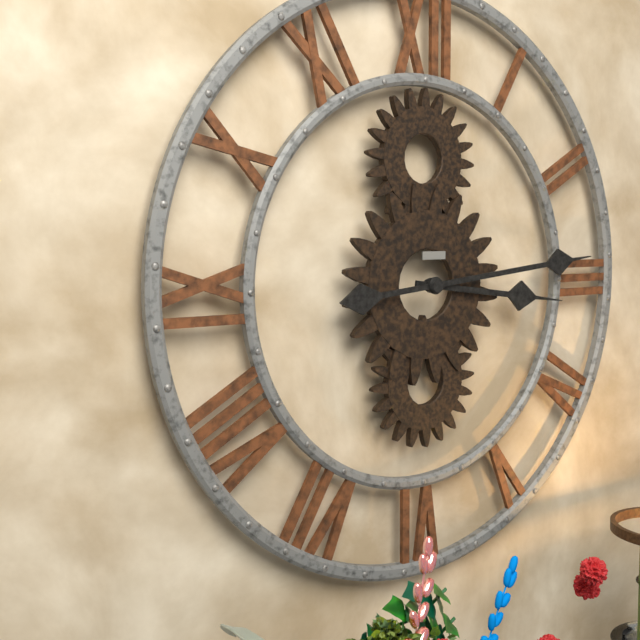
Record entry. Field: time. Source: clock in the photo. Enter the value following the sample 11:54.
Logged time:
3:14
